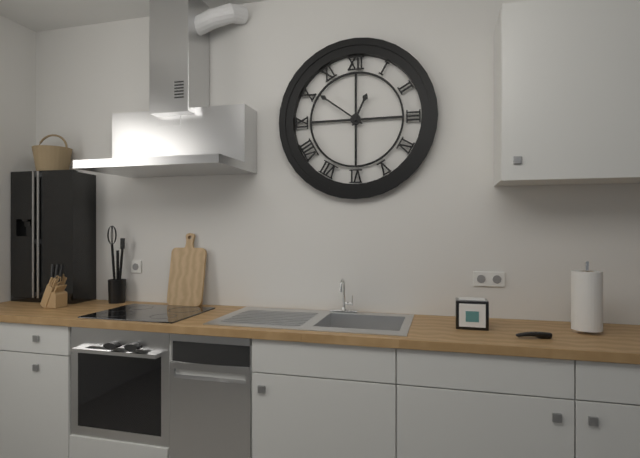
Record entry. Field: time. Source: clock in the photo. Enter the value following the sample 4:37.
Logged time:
12:51
